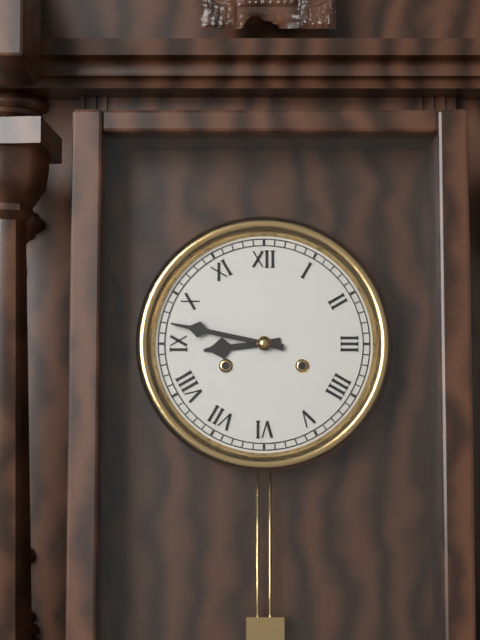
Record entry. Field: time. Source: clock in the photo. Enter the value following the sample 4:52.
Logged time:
8:47
